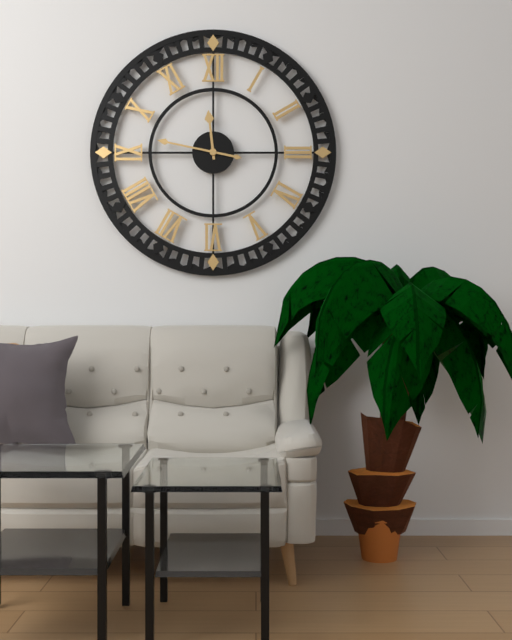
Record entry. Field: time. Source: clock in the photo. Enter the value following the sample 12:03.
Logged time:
11:47
